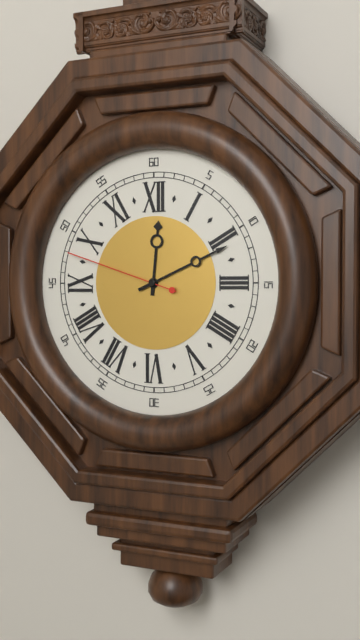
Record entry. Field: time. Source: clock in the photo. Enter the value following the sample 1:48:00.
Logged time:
12:11:48
